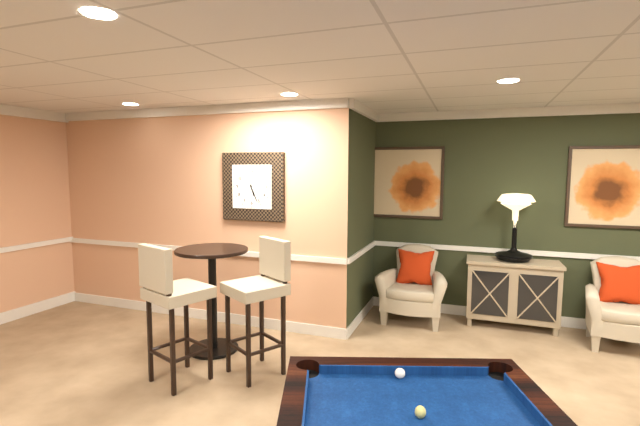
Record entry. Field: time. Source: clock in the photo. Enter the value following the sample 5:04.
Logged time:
5:26
